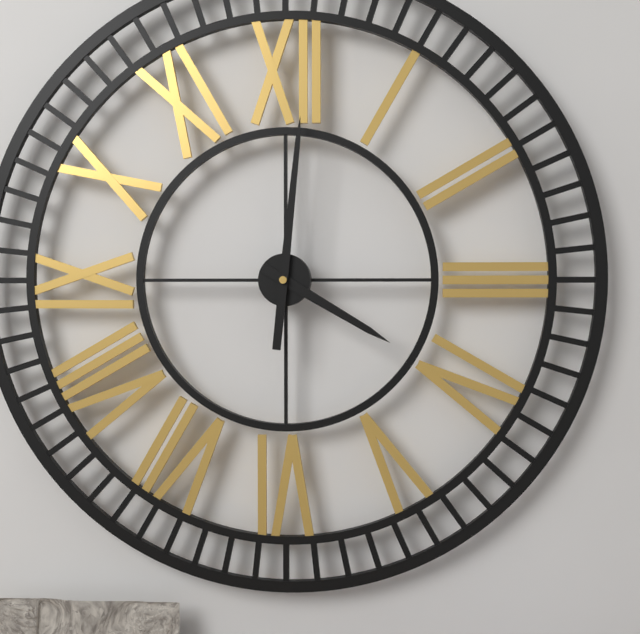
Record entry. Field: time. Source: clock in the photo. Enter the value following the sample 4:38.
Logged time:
4:01
